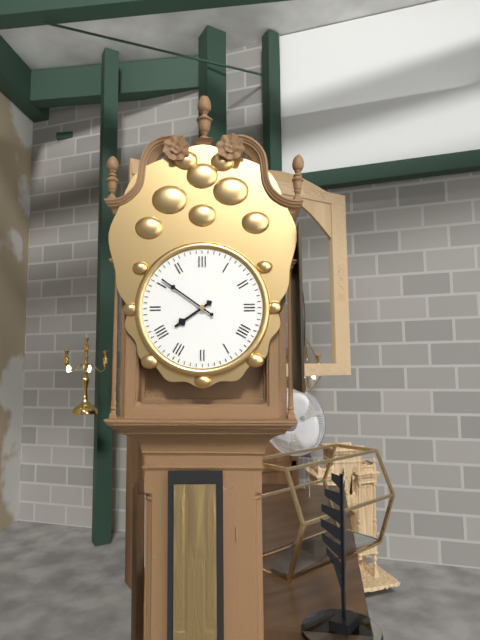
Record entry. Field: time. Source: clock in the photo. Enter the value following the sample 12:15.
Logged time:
7:51
